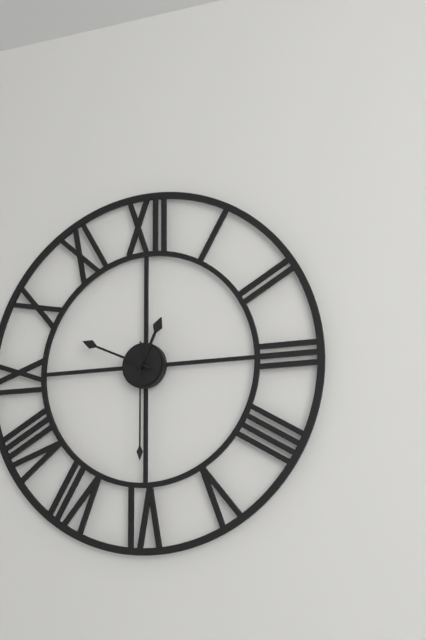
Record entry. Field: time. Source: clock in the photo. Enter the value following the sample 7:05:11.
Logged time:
12:49:30
